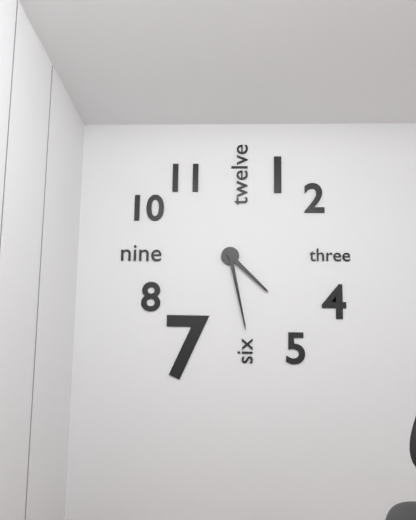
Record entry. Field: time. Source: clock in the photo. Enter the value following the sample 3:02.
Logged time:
4:28
